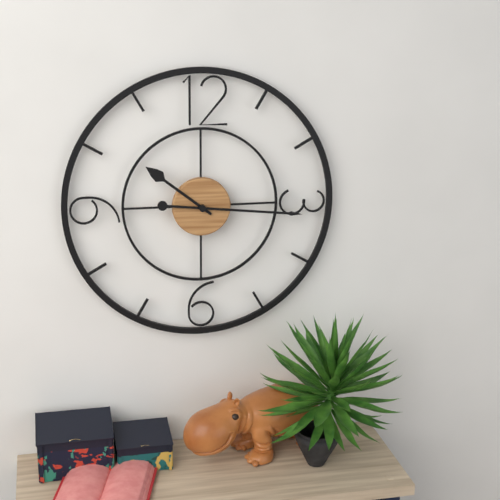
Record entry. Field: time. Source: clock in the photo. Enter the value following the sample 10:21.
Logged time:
10:16
